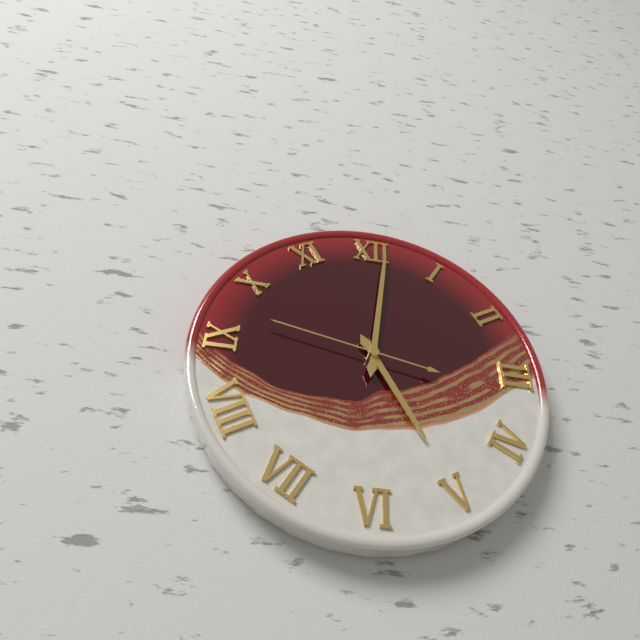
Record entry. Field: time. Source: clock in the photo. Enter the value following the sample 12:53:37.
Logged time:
5:01:47
